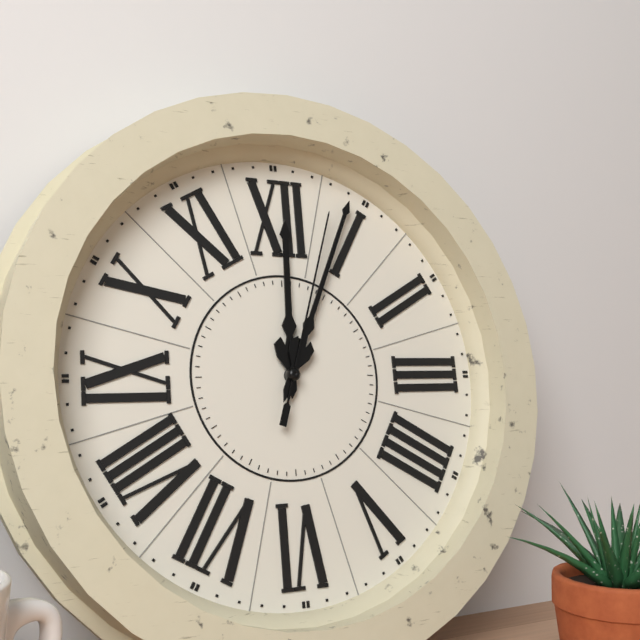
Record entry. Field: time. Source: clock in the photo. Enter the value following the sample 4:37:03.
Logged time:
12:04:03
